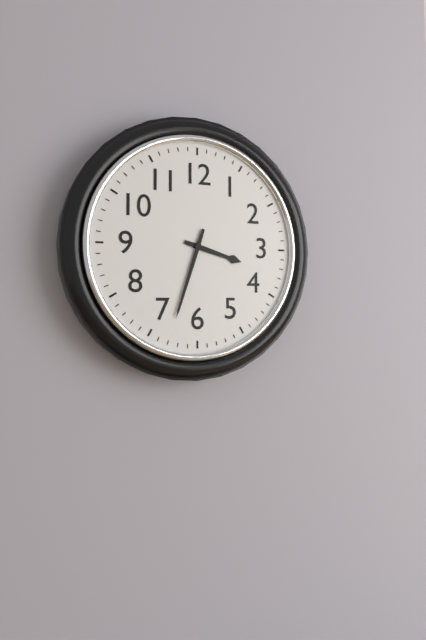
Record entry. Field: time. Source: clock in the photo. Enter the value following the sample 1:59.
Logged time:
3:33
